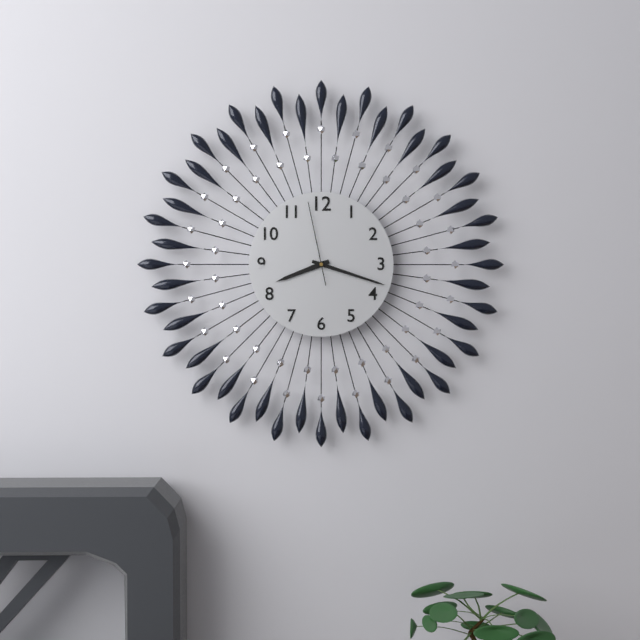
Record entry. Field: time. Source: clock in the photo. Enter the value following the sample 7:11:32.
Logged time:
8:18:58
